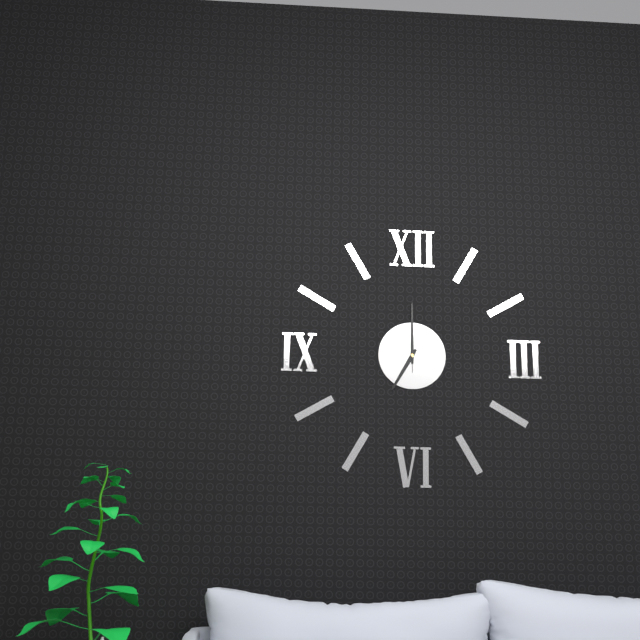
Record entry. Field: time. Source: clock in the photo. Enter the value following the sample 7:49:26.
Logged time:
7:00:00
